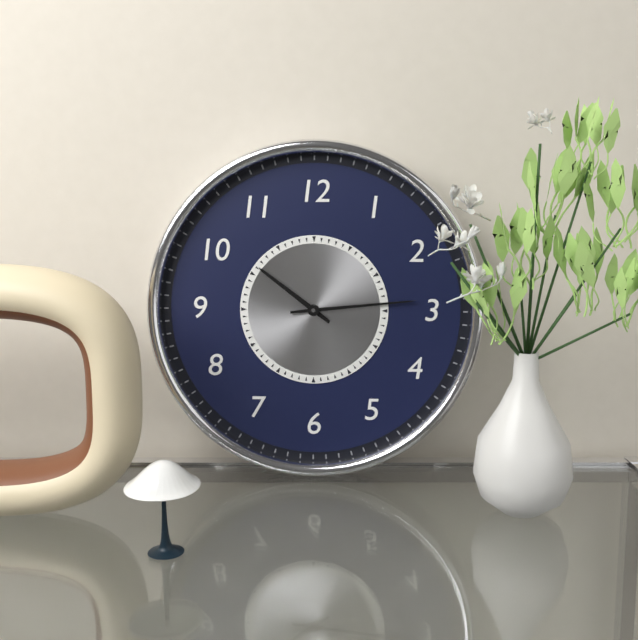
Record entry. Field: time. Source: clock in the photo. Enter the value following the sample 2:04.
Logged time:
10:14
